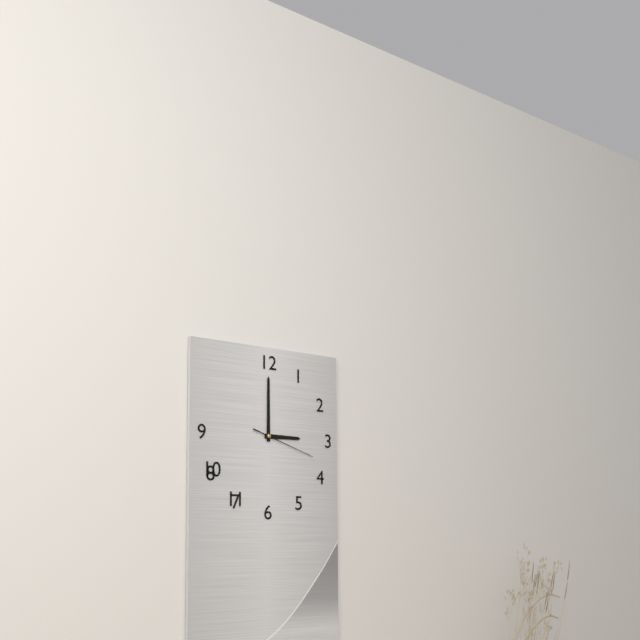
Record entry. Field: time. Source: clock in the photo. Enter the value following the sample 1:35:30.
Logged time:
3:00:18
